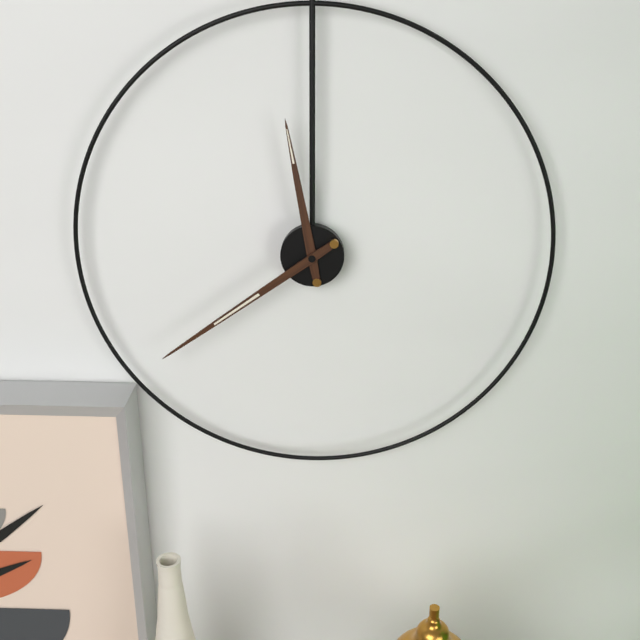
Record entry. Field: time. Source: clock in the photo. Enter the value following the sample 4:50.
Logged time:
11:39
